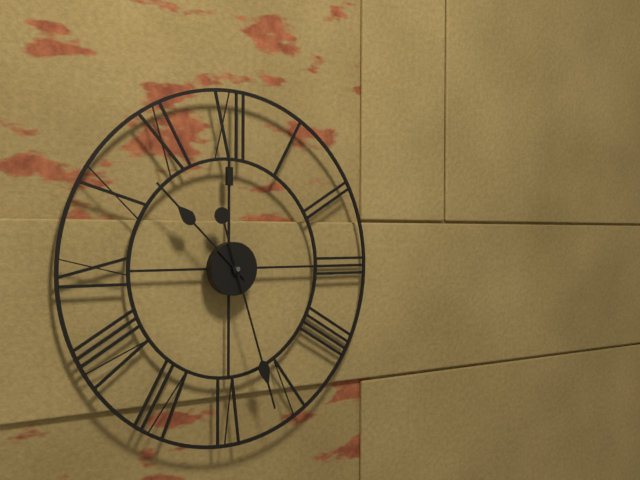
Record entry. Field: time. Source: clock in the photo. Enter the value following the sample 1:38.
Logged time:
10:27
